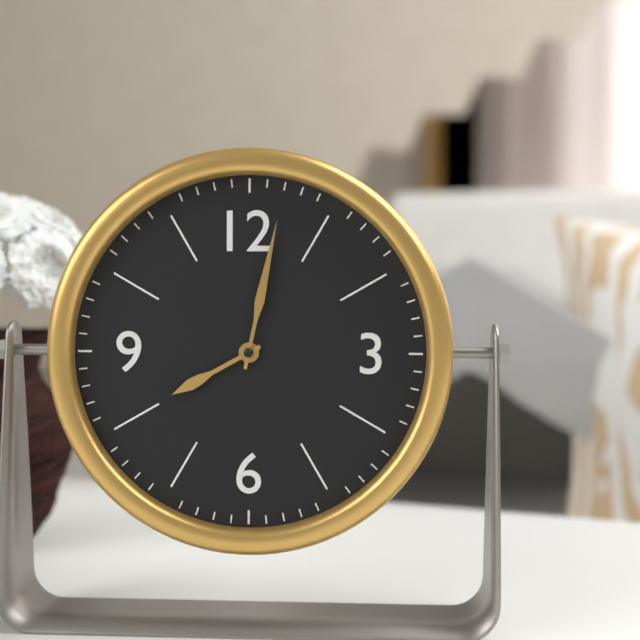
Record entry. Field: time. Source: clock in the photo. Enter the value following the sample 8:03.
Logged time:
8:02
